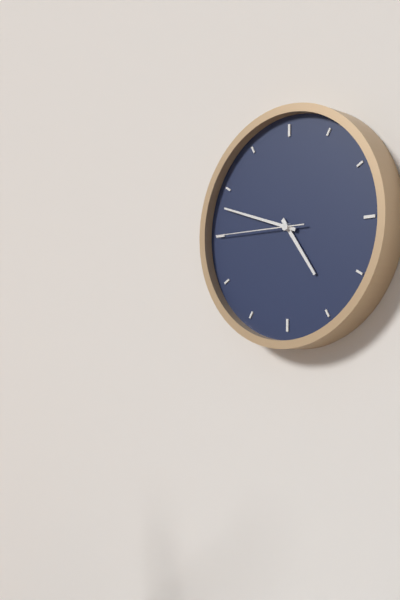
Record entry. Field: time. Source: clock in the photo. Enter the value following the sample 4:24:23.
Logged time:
4:48:45
